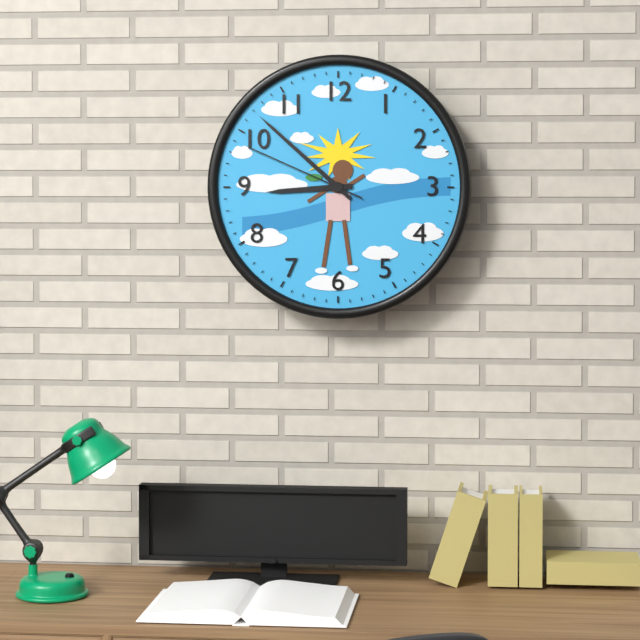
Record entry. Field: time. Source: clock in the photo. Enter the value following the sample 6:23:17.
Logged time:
8:52:49
